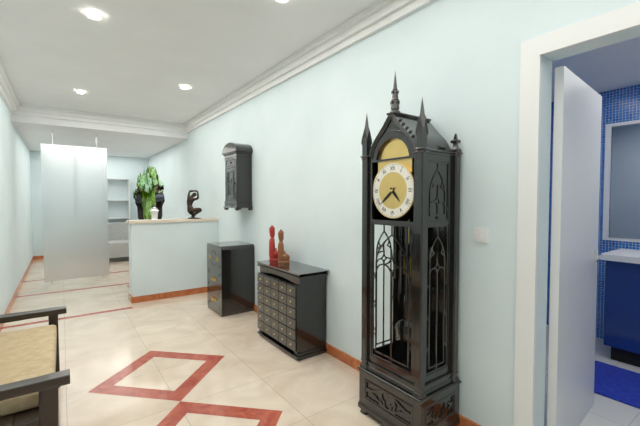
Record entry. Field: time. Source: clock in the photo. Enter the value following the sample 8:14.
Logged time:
4:38
